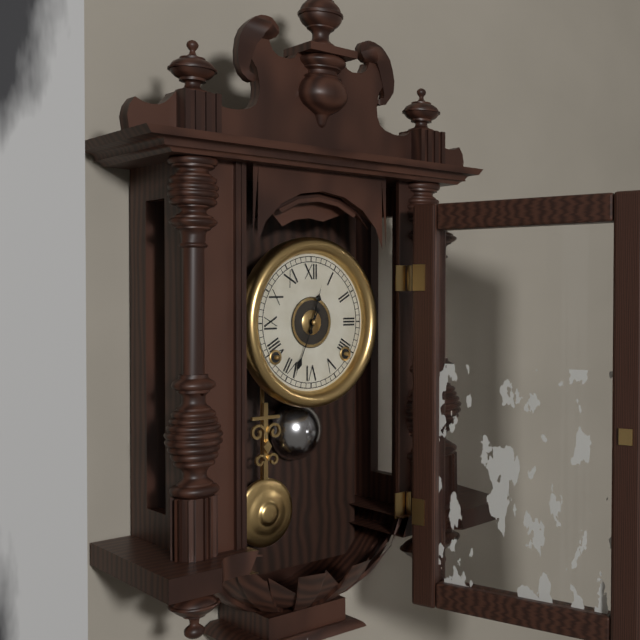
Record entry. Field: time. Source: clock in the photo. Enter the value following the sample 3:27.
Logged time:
12:34
